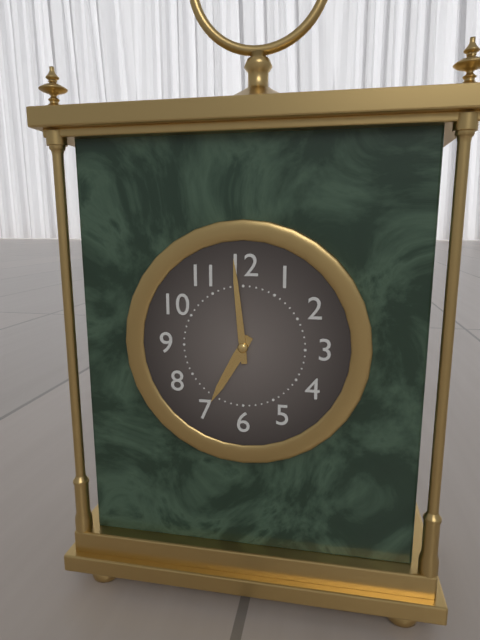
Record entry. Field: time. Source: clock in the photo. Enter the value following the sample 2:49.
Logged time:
6:59
